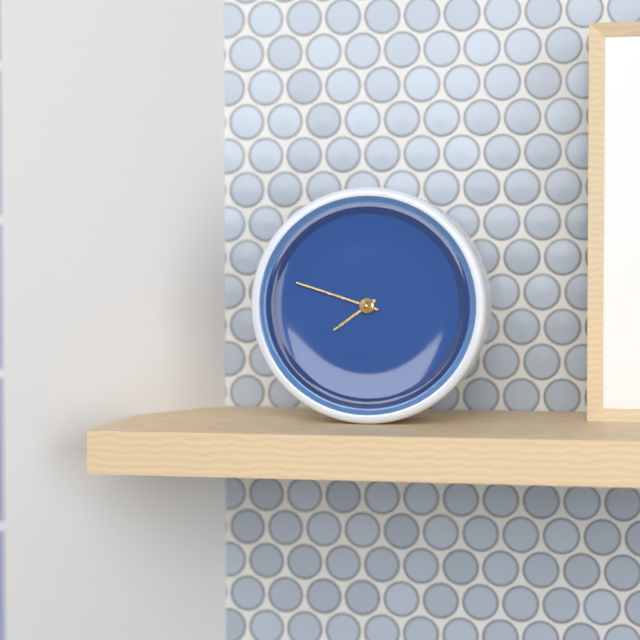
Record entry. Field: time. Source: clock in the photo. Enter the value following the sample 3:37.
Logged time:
7:48
